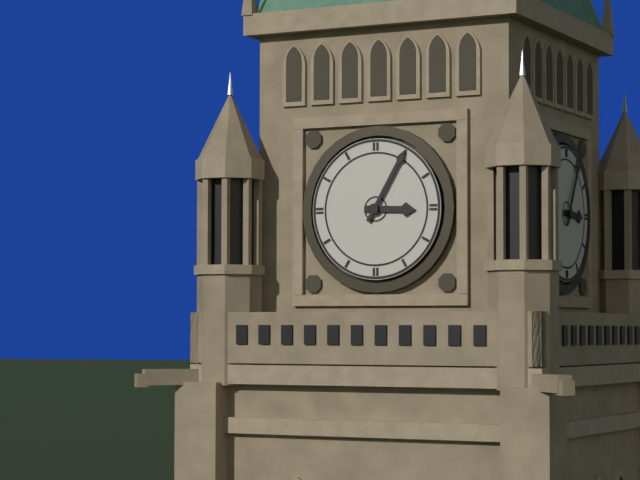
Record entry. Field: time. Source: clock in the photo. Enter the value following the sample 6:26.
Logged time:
3:05
